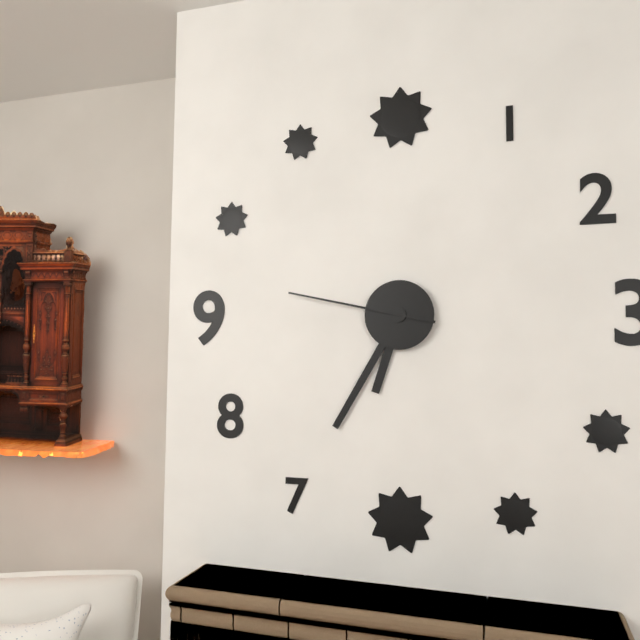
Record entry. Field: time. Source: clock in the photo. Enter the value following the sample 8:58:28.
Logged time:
6:35:47
